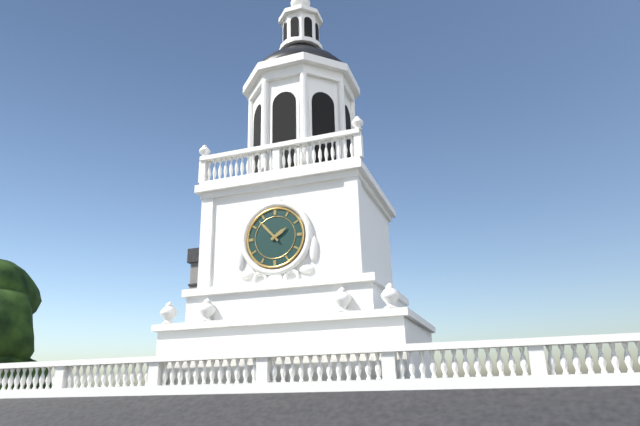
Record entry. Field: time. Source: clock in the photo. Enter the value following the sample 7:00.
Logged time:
1:53
